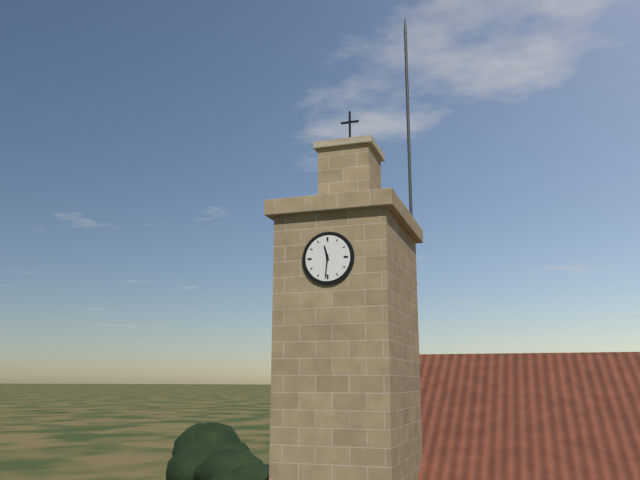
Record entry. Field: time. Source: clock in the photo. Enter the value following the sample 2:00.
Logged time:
11:31
